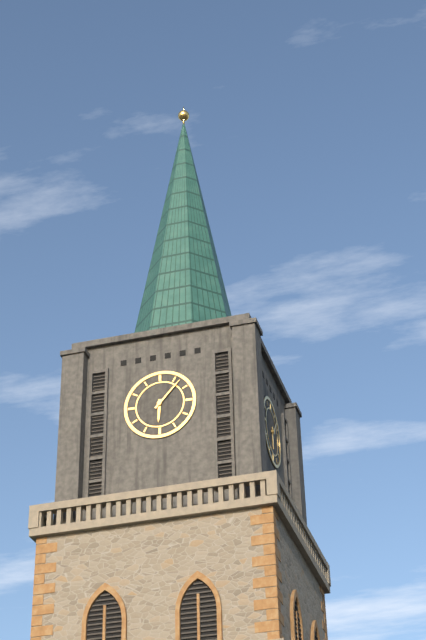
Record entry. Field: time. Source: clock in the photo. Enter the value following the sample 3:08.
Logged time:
6:07
